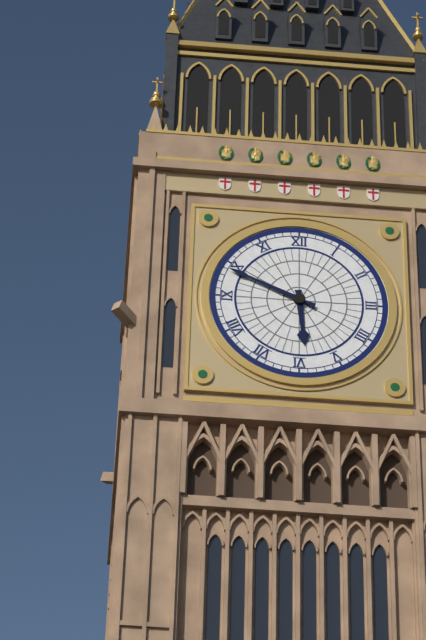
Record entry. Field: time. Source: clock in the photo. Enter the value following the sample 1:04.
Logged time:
5:49
